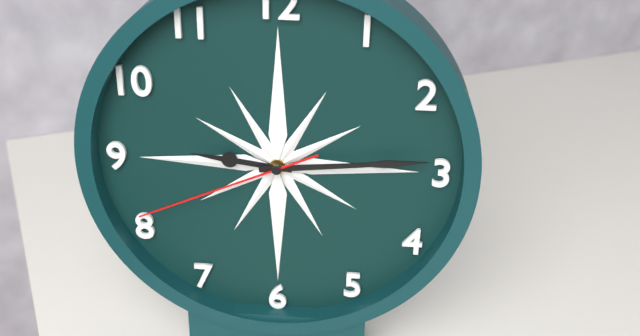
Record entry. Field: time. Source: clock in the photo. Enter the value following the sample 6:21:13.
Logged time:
9:14:41
